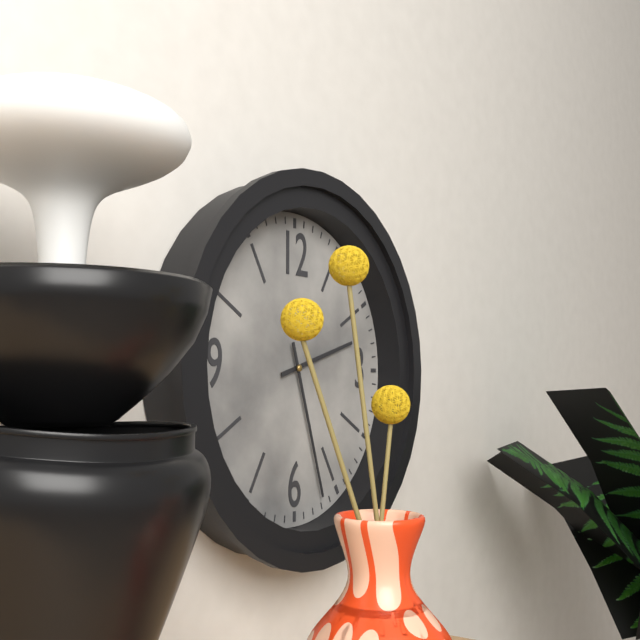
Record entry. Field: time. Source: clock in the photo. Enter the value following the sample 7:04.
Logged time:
2:27
